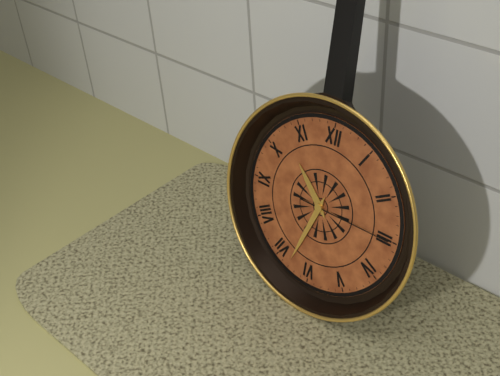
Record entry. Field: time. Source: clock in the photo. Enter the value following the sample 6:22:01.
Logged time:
10:33:15
